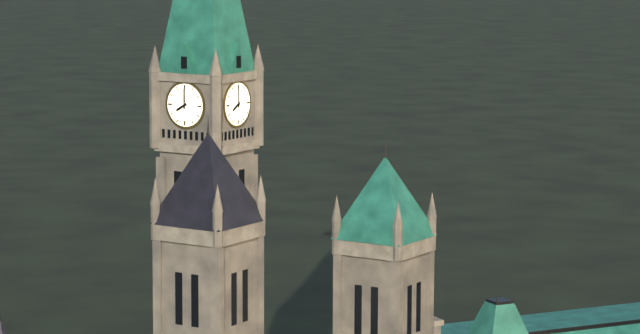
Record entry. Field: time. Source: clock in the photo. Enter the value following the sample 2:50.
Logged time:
8:00
